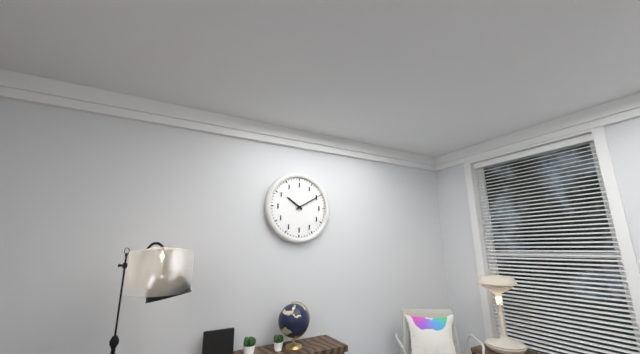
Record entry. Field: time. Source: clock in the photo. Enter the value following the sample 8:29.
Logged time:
10:10
